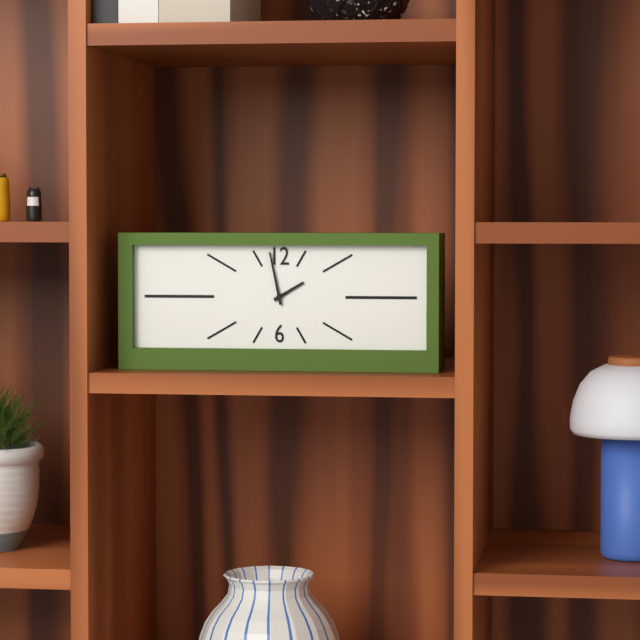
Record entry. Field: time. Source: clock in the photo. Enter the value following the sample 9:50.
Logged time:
1:58
